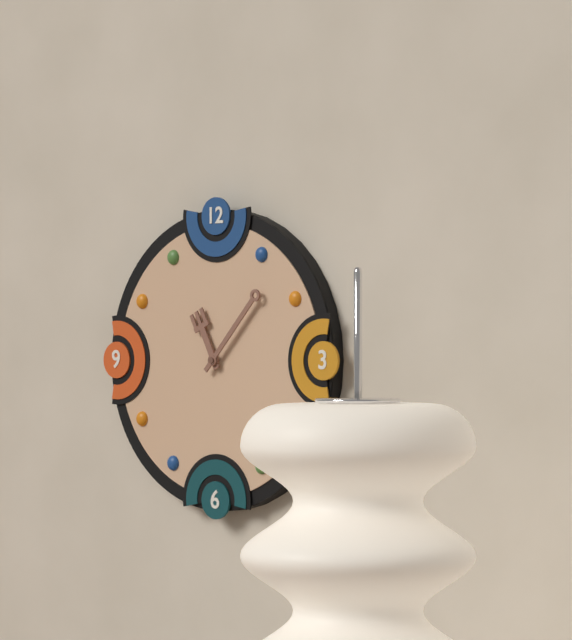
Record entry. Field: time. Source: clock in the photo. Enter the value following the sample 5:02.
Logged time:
11:07
